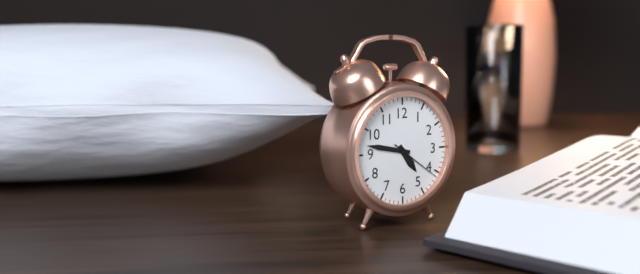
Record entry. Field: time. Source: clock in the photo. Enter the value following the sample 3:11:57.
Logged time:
4:47:21
